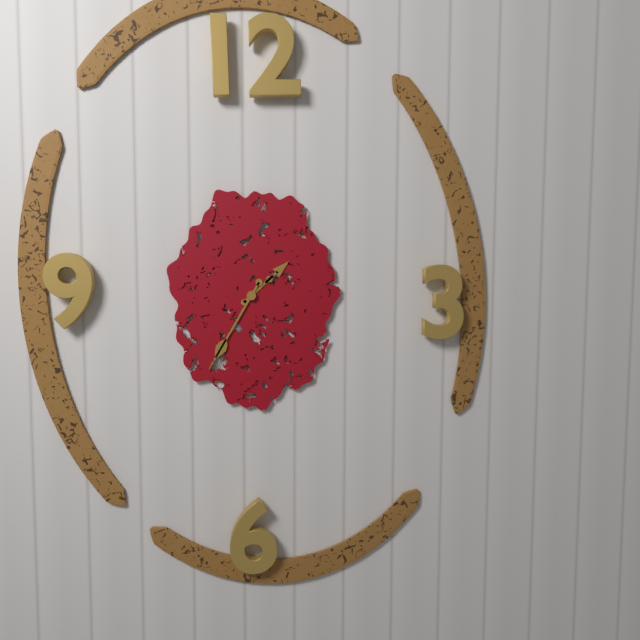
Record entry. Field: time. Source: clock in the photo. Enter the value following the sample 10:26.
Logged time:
1:35
